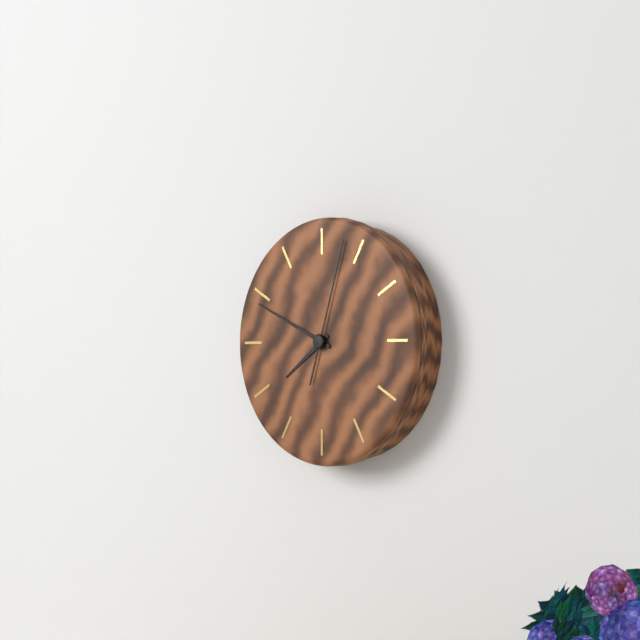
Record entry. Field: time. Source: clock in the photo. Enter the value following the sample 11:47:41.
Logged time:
7:49:03
